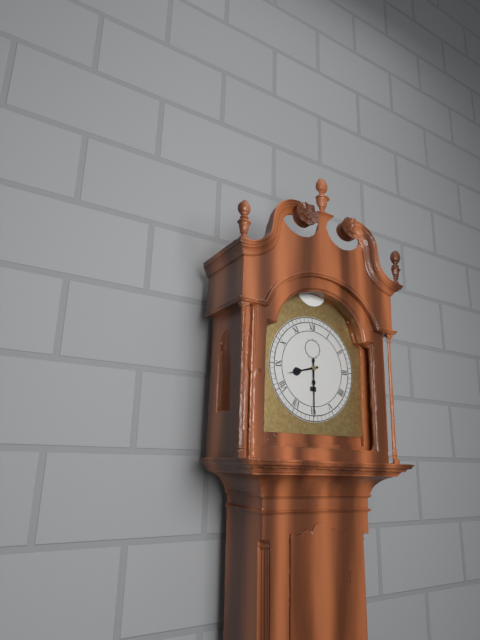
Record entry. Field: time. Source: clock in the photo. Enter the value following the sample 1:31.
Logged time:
8:30
